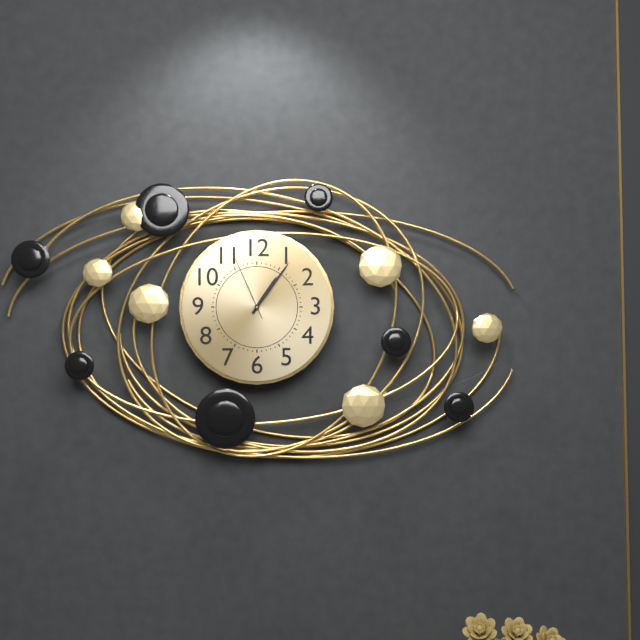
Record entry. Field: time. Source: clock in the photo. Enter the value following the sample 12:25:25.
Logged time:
1:06:56
